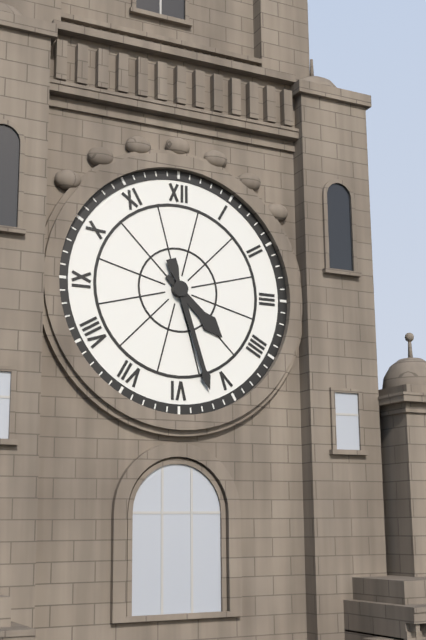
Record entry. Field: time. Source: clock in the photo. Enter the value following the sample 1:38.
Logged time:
4:27
